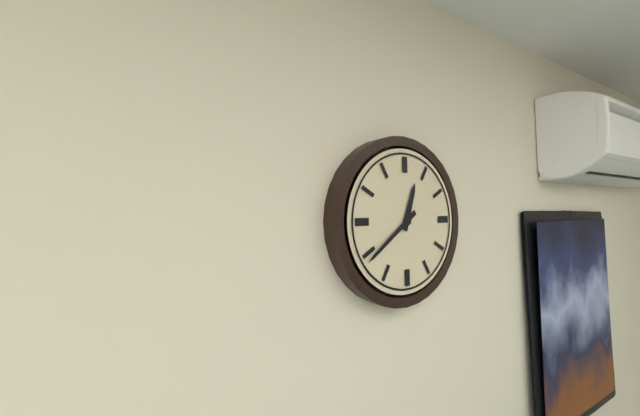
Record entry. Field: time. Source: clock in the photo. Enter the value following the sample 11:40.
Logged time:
12:39
